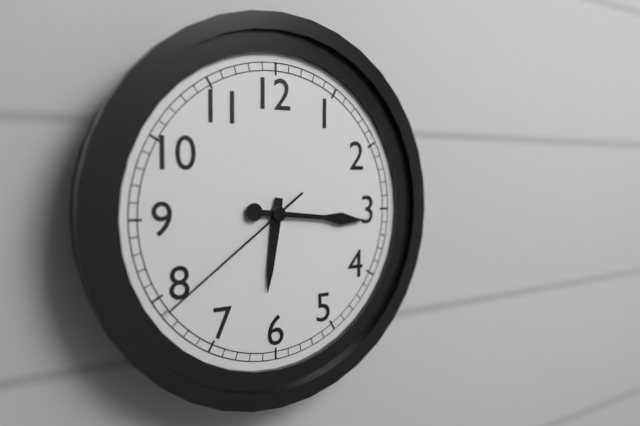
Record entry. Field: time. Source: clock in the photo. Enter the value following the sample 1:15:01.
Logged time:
6:16:39
